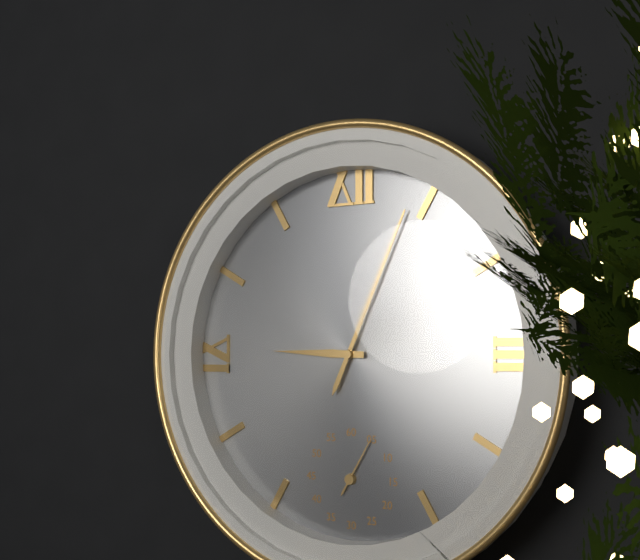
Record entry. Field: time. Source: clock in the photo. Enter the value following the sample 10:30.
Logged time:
9:04
